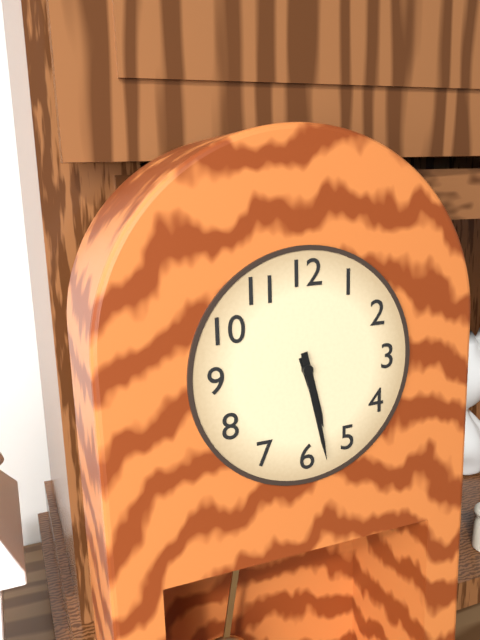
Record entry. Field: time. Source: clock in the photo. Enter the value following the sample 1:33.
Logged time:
5:28
